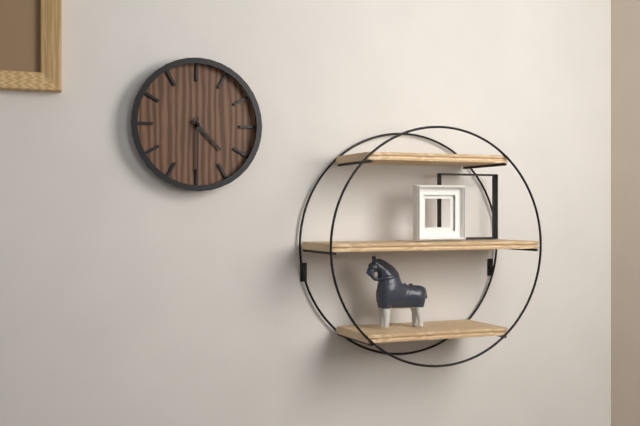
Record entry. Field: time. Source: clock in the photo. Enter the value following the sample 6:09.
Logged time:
4:30
